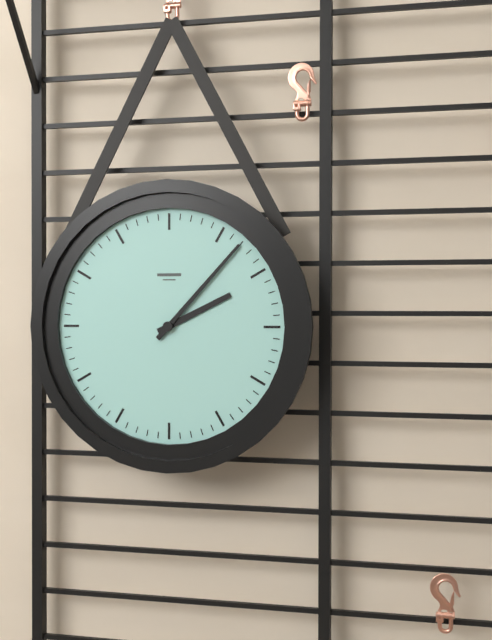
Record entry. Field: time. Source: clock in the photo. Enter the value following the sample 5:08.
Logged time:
2:07
